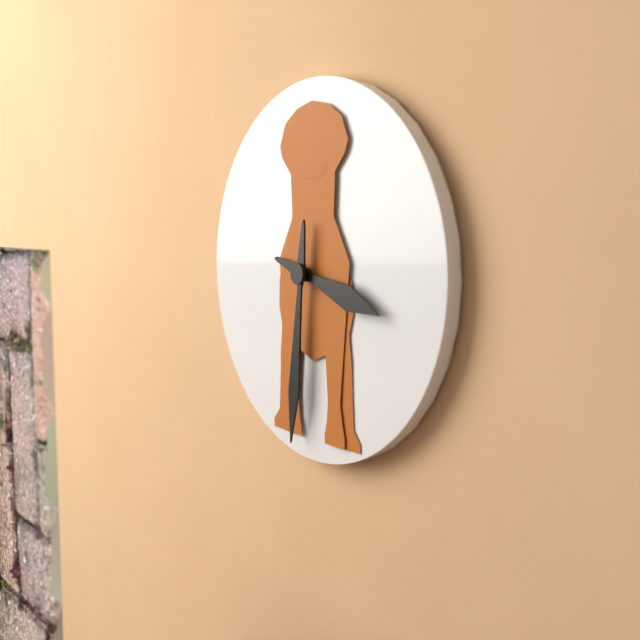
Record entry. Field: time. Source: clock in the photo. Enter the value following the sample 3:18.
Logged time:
3:31
